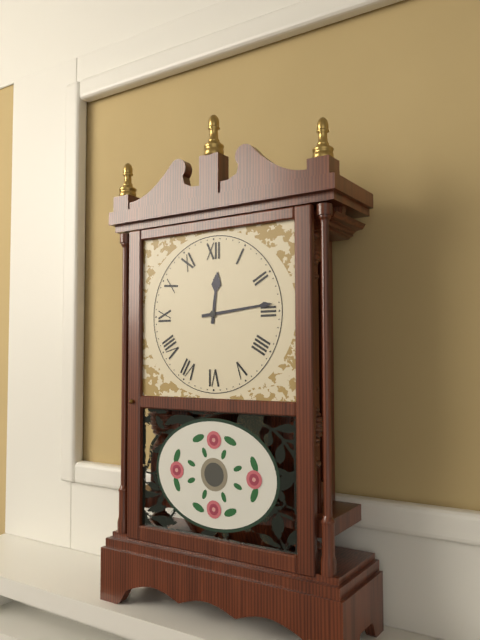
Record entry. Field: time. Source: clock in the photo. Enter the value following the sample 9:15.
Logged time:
12:14
